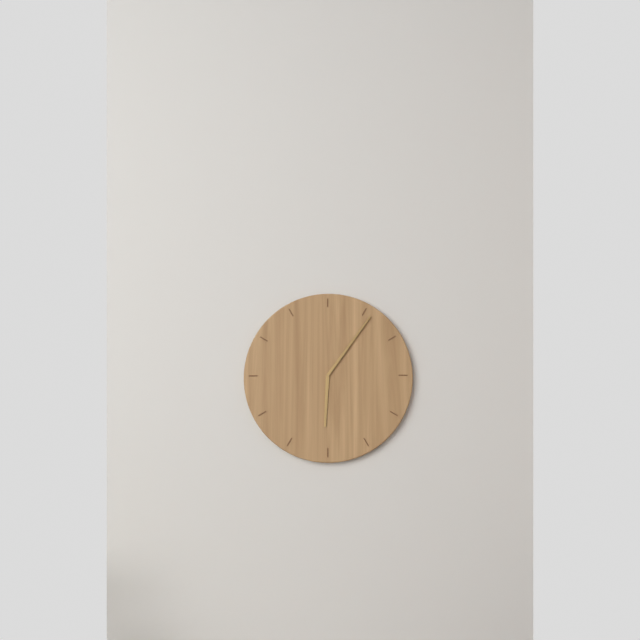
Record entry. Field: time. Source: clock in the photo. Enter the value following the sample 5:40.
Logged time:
6:06
